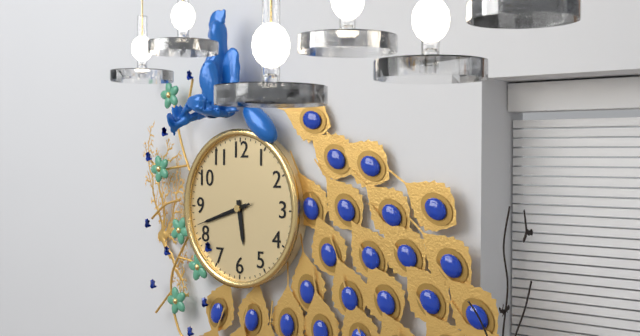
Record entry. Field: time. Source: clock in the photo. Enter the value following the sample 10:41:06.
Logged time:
5:42:42
